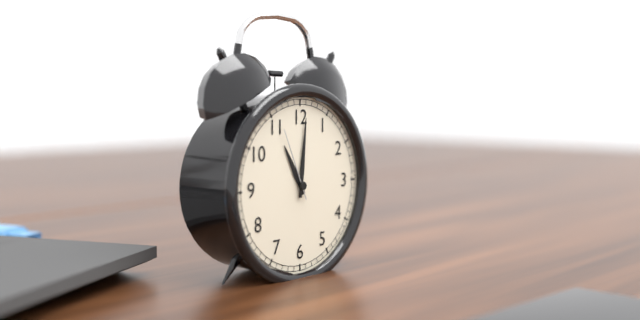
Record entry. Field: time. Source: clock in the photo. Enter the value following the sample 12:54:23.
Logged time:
11:01:56
